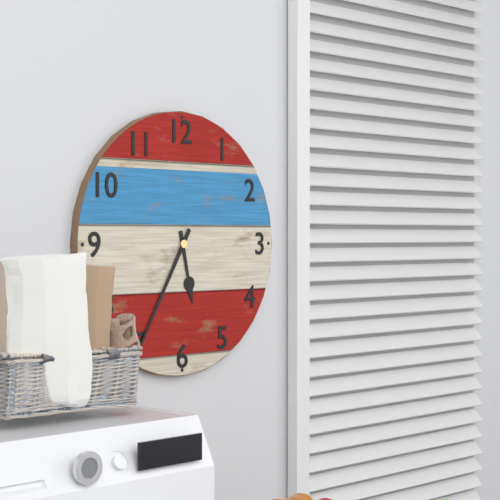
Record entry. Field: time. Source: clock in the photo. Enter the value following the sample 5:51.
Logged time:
5:35
